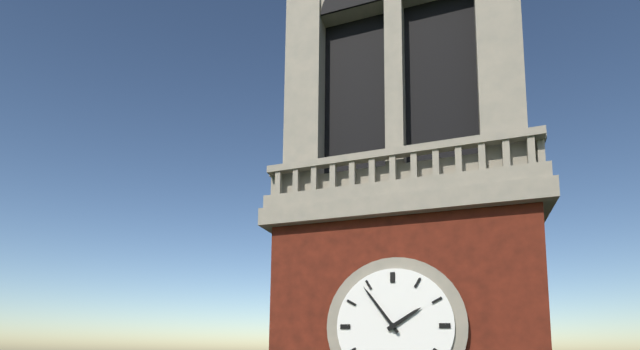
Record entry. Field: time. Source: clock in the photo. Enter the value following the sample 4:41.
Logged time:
1:54
